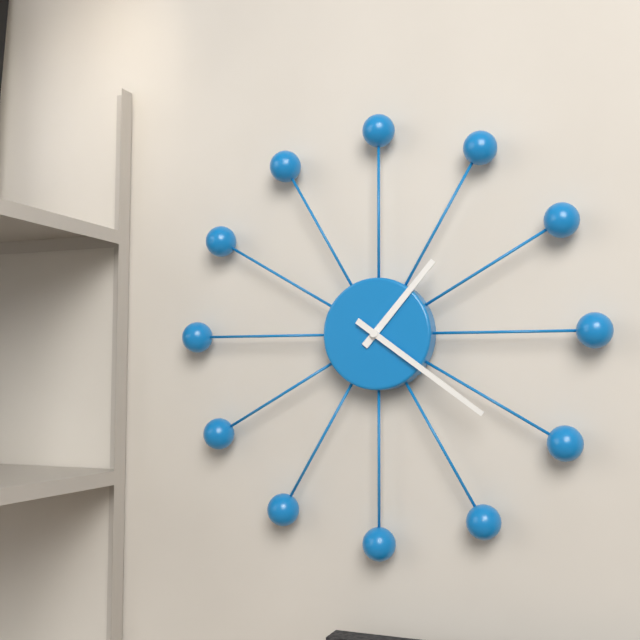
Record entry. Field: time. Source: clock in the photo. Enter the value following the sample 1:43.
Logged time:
1:21
